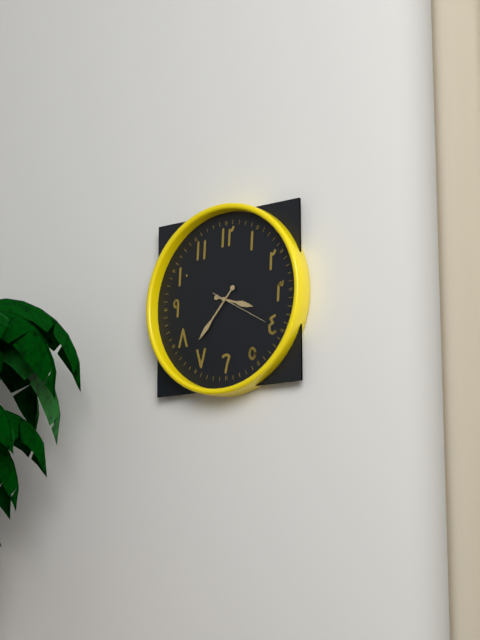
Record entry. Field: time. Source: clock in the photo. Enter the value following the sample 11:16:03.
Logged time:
3:37:20
